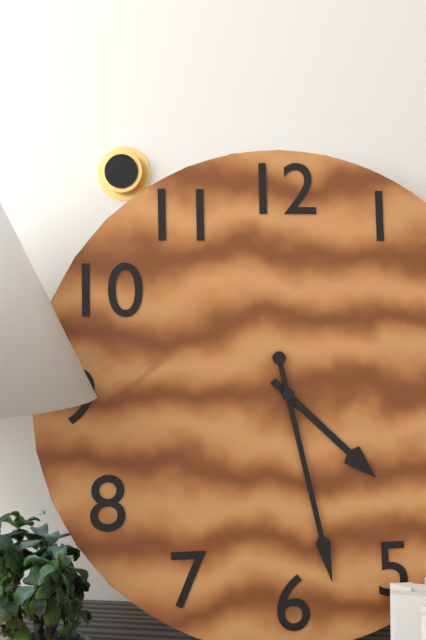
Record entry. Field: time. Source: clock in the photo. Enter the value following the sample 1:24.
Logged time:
4:28
